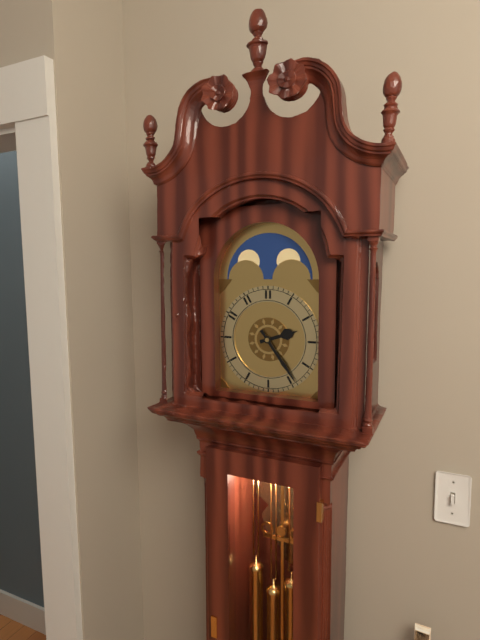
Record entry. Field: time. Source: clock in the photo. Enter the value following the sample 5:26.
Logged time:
2:24
